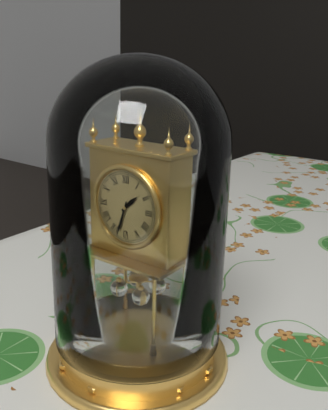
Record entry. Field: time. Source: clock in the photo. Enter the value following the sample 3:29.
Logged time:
1:33
